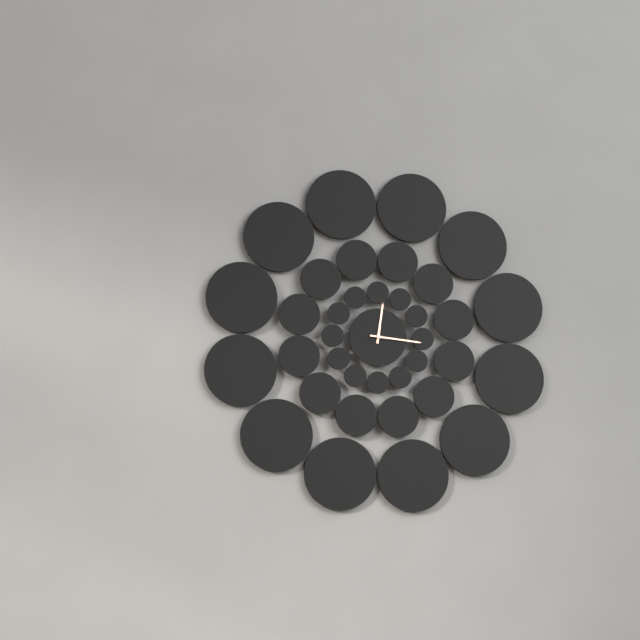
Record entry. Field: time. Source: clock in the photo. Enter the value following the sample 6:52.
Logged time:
12:16
